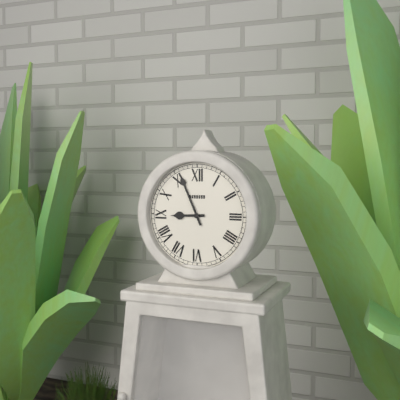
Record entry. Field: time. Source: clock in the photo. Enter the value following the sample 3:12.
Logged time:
8:56
